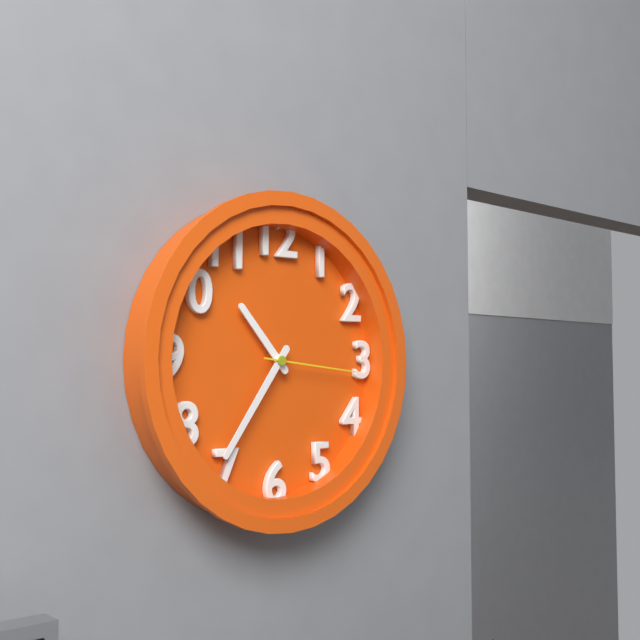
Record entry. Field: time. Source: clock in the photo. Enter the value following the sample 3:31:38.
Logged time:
10:36:16
